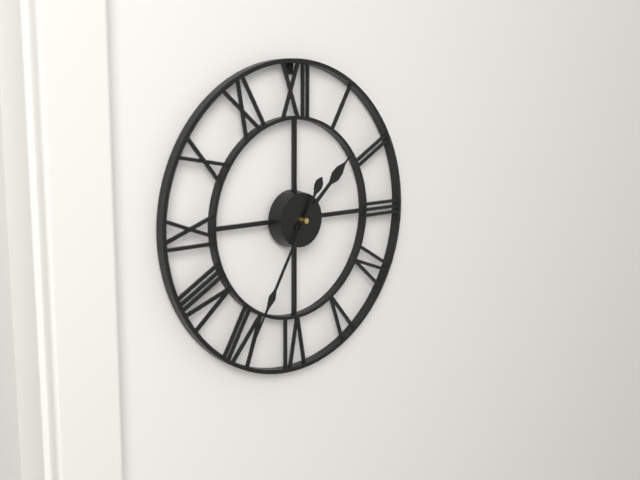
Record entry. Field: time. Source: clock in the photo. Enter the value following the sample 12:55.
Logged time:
1:35
